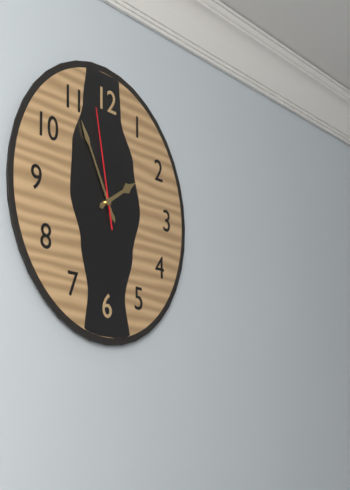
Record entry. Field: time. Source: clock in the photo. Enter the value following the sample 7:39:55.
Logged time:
1:55:58
